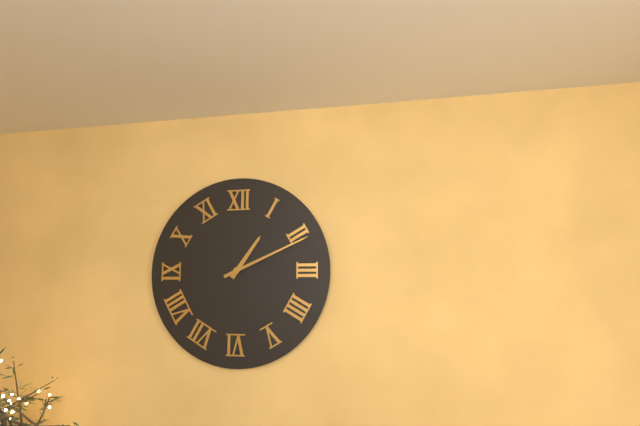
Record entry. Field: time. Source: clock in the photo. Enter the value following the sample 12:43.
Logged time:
1:11
